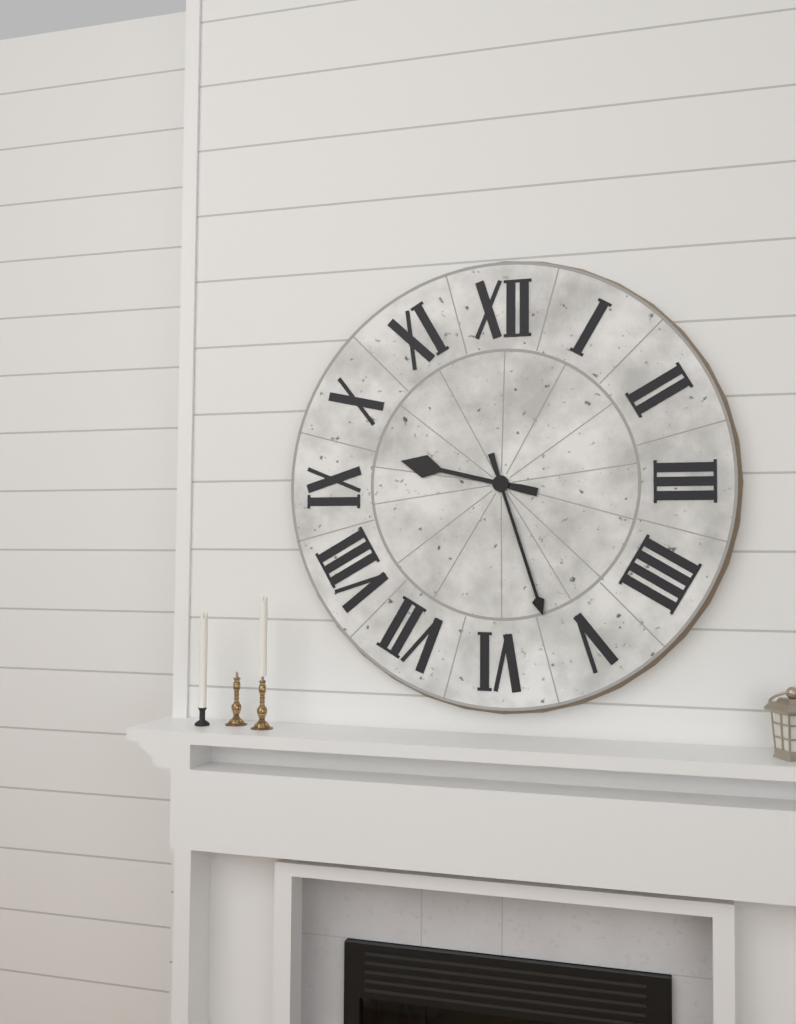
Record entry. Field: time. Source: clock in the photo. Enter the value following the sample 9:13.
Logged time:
9:27
